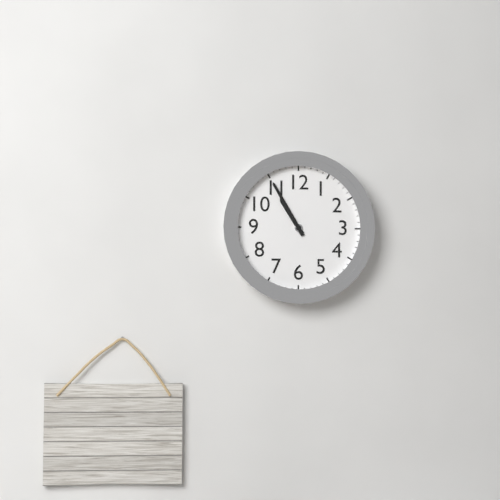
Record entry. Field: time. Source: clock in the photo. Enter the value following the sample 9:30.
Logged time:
10:55
